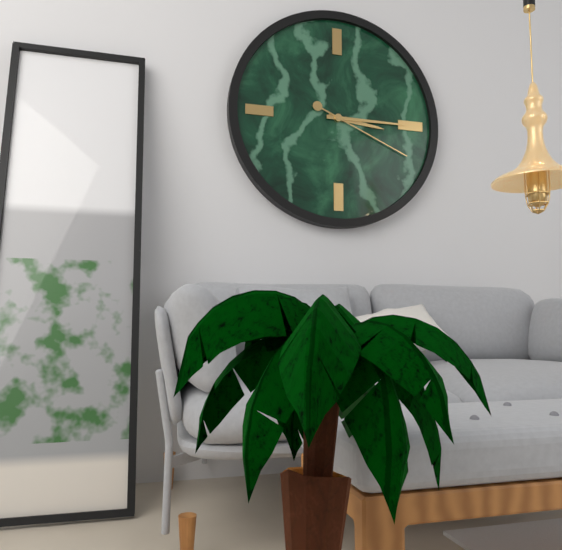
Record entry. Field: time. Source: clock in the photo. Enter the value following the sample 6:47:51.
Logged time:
3:15:19
